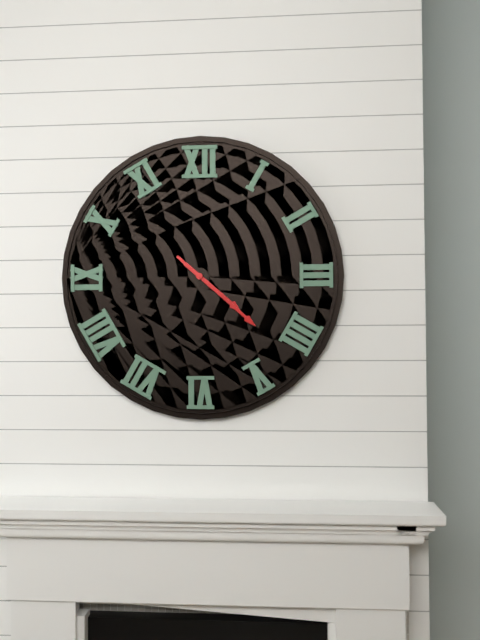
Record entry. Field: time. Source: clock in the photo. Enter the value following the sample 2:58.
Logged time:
4:22
